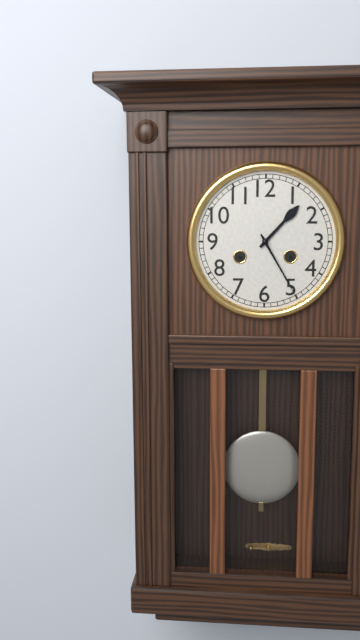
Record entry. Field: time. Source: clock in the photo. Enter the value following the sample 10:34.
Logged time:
1:25
